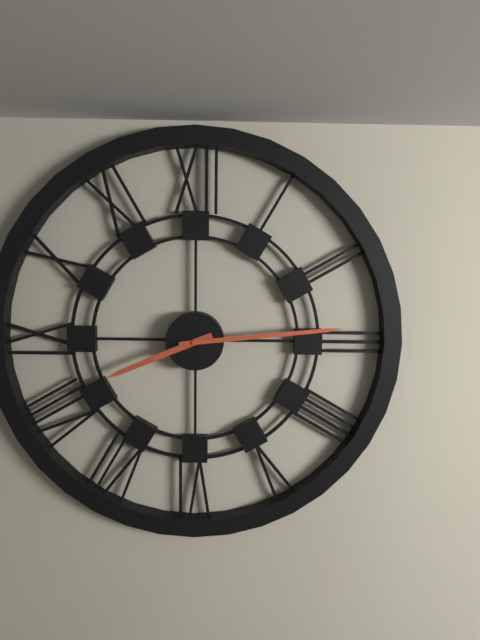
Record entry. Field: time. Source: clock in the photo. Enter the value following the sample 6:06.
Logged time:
8:14
